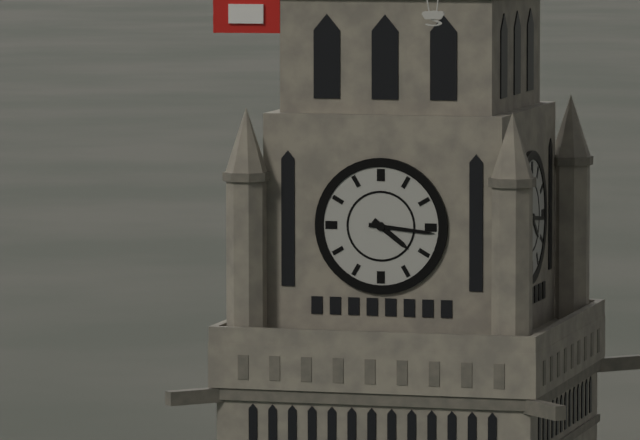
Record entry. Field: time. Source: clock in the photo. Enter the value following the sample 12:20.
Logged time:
4:16
